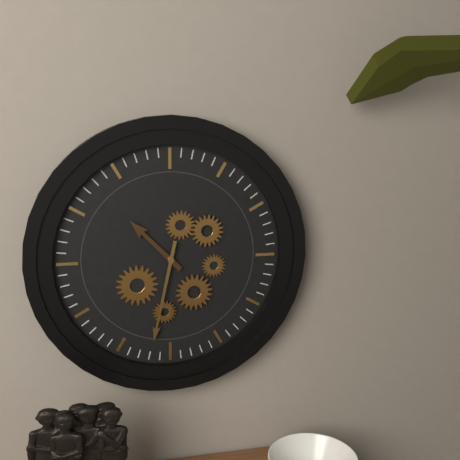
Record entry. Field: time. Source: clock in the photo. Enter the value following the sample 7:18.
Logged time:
10:32
